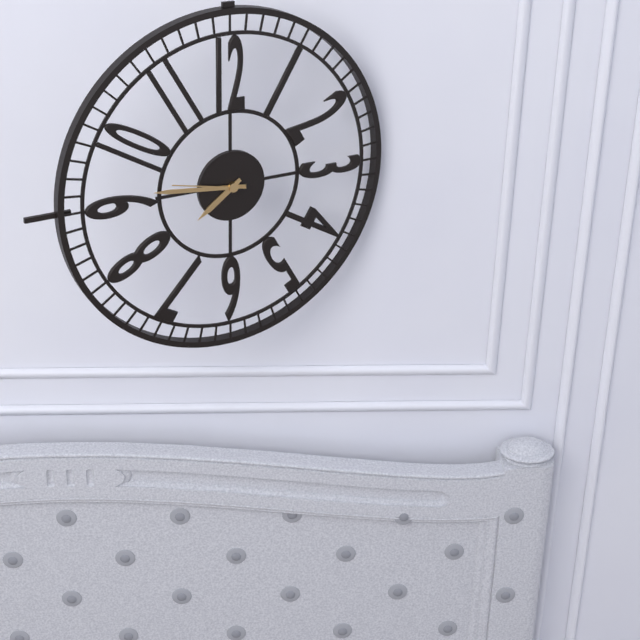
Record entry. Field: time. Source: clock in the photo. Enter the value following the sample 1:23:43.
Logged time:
7:46:47
